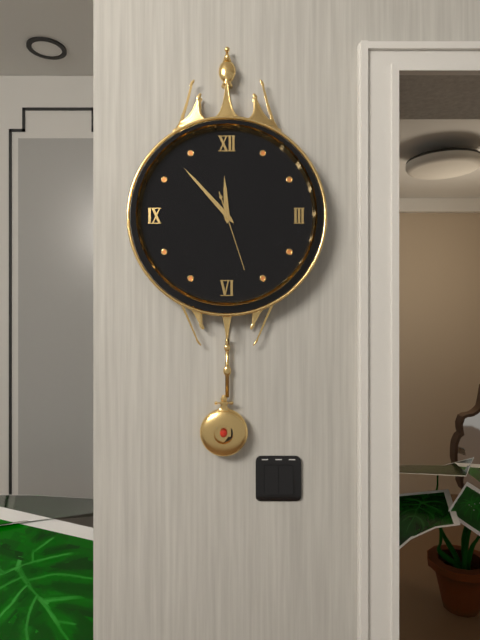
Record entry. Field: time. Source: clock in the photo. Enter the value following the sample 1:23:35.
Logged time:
11:53:27
